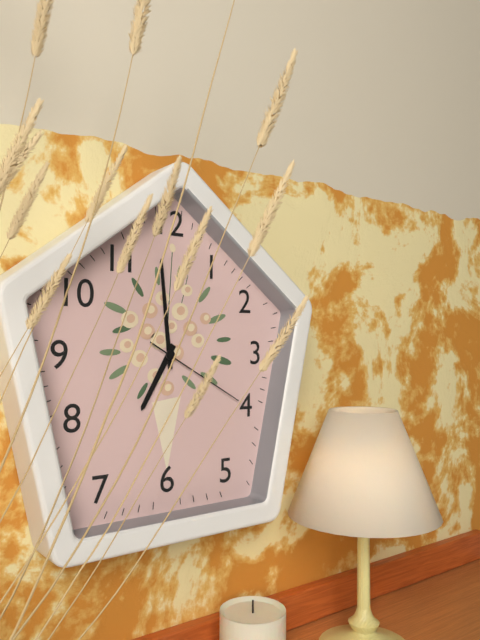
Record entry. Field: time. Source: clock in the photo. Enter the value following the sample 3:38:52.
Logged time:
6:59:20
